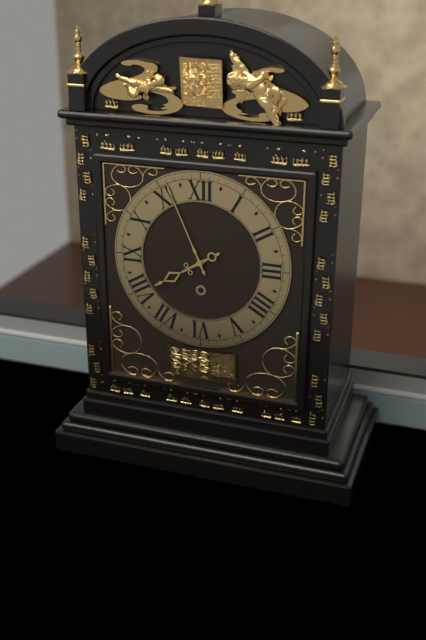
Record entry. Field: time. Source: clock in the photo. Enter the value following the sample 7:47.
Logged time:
7:56
